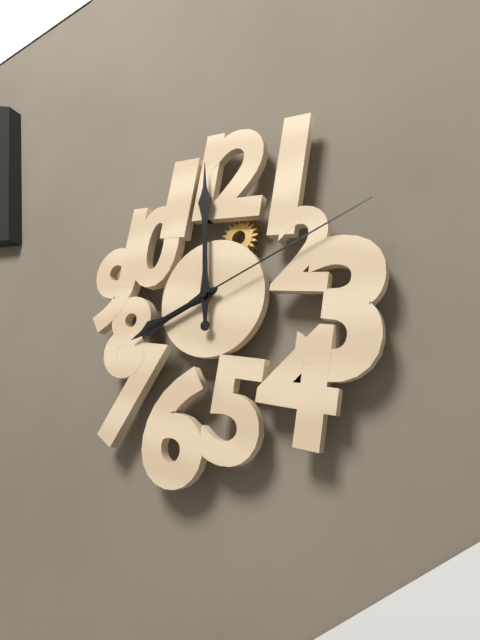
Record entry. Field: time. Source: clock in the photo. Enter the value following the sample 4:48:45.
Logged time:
7:58:10
